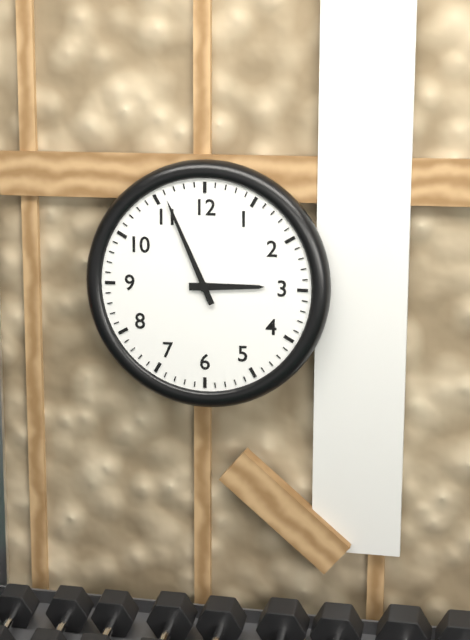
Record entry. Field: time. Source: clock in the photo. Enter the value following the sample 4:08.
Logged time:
2:56
